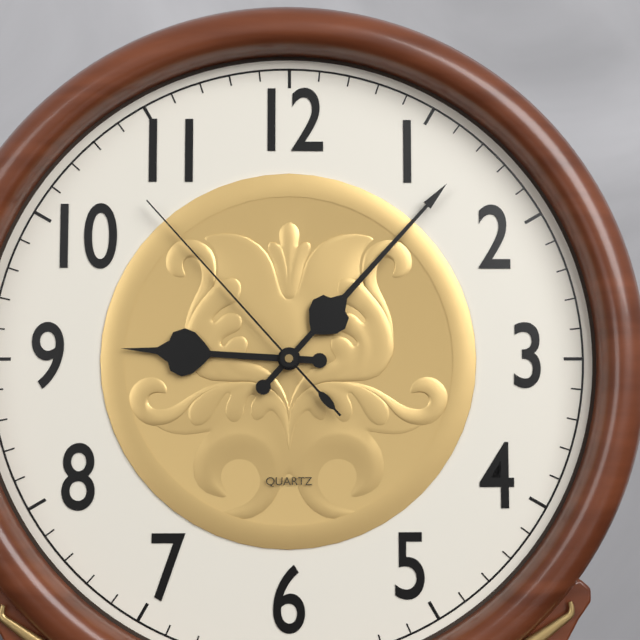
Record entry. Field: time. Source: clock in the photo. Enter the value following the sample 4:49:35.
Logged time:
9:07:53
